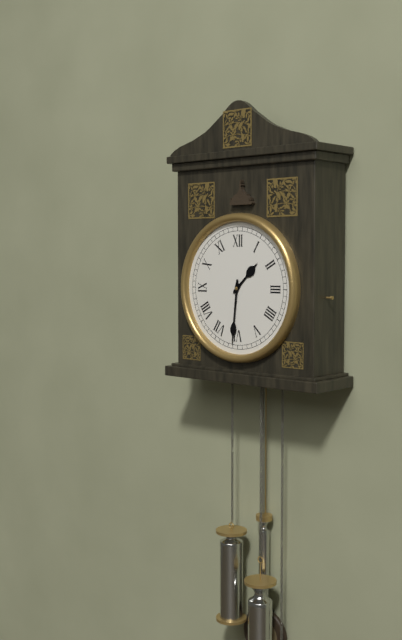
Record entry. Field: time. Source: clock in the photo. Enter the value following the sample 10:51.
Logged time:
1:31
